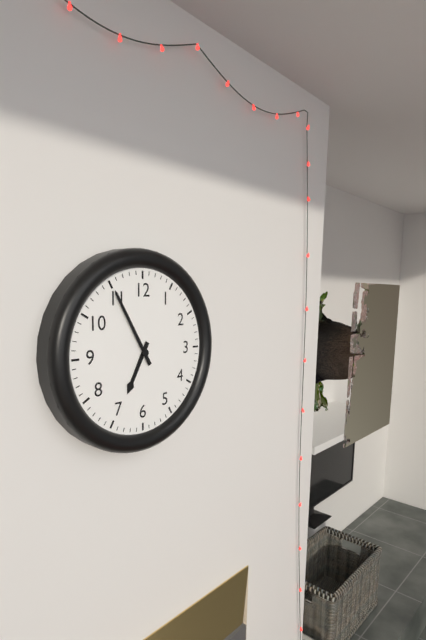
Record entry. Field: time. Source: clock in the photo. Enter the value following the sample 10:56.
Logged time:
6:55
